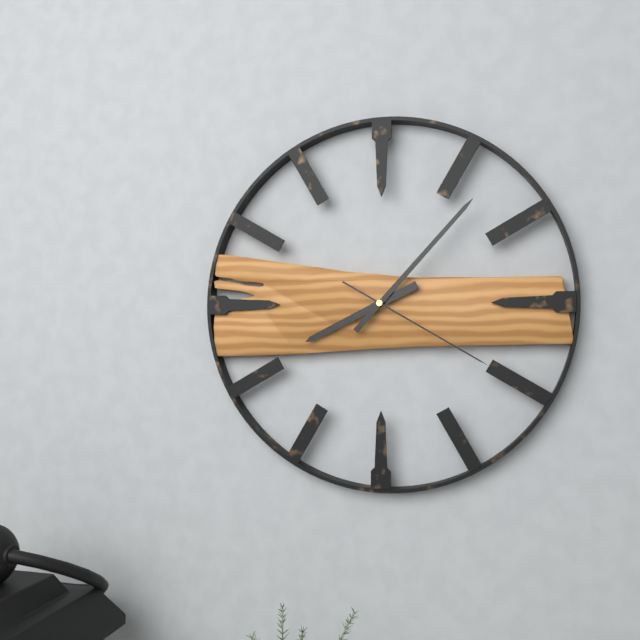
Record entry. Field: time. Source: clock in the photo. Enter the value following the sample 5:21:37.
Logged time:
8:07:20
